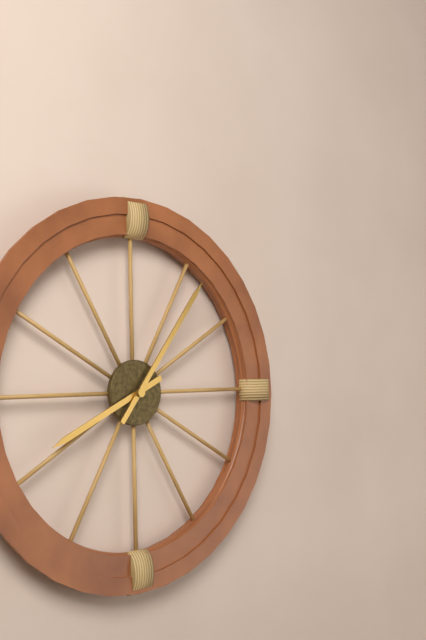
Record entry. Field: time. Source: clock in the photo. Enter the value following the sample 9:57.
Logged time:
8:06
